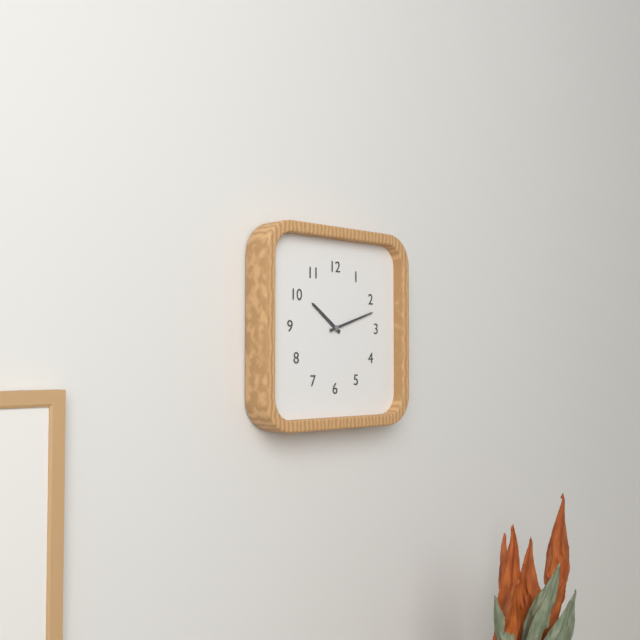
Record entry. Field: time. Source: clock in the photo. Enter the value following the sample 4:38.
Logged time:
10:12
